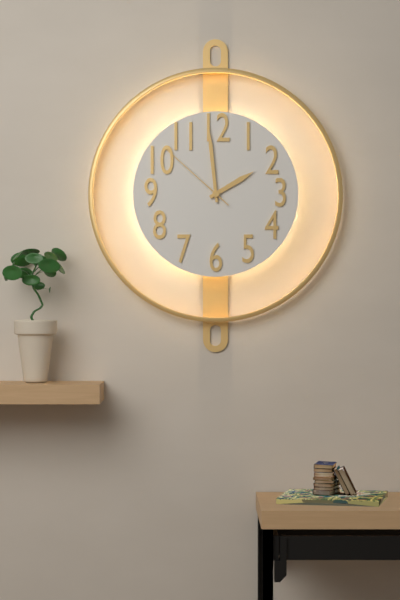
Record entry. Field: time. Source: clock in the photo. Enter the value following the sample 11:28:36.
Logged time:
1:59:52
